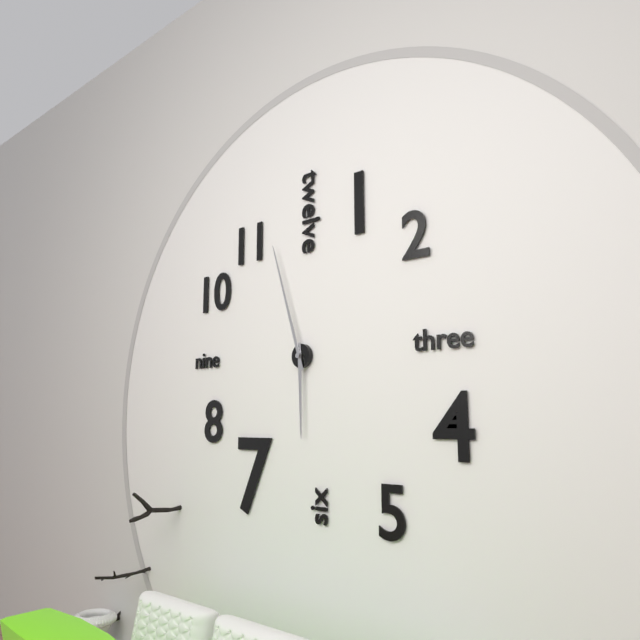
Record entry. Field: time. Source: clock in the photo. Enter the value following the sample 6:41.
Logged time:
5:57
